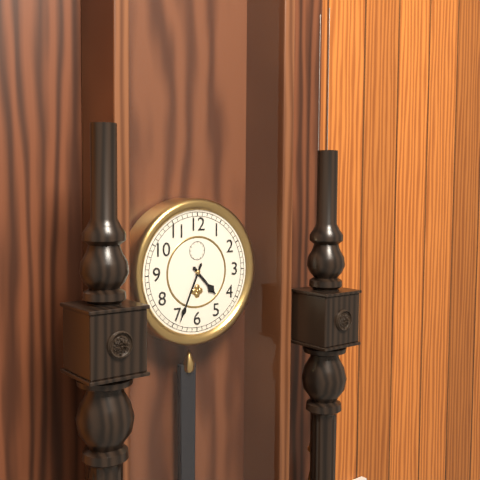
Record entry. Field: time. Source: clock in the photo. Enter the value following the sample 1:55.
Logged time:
4:34
